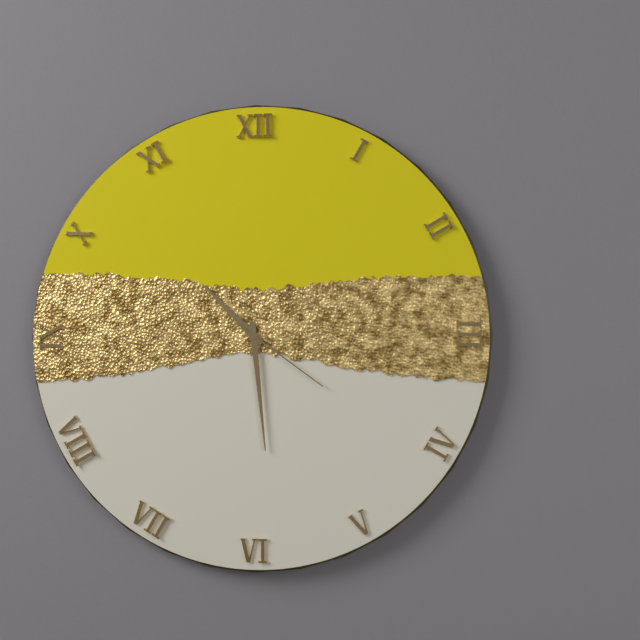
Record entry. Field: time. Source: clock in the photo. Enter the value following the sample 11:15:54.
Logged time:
10:29:21
